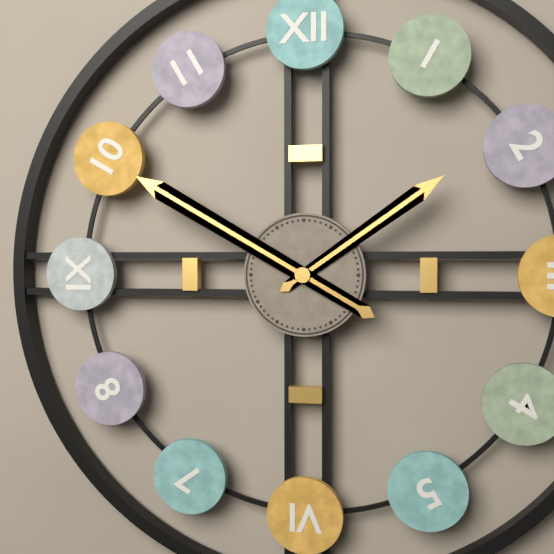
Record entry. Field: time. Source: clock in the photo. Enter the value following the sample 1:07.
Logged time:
1:50
